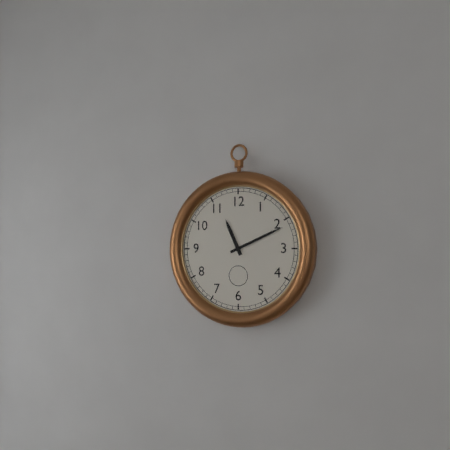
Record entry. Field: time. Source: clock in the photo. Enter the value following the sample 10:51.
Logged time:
11:11
